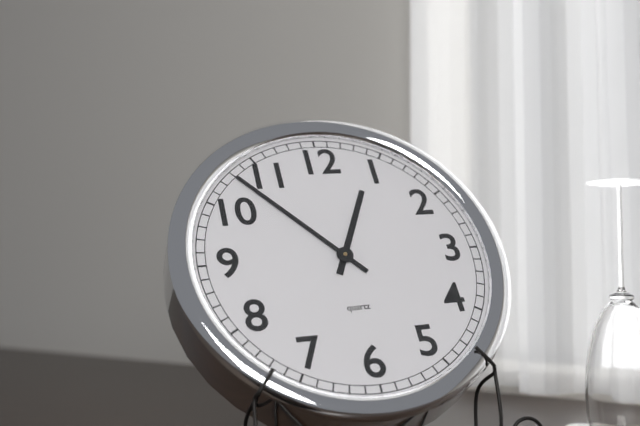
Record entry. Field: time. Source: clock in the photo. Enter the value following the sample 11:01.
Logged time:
12:53
